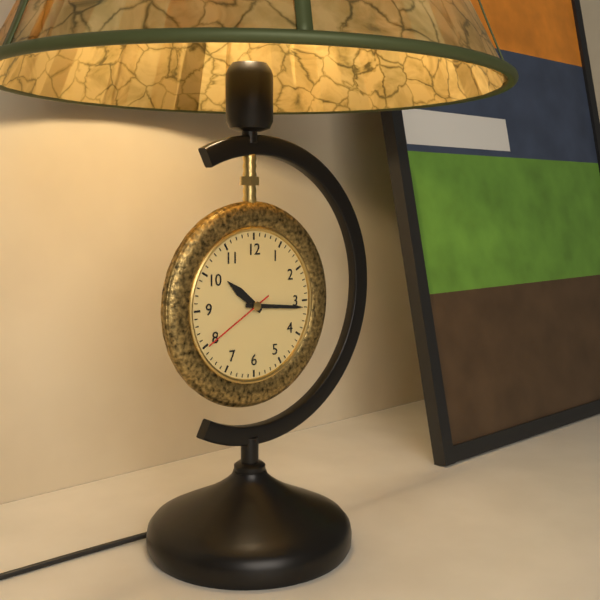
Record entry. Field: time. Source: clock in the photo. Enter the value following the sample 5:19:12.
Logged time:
10:16:40
